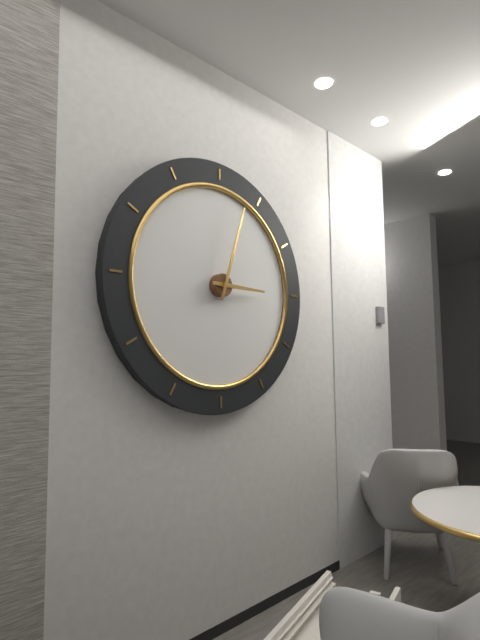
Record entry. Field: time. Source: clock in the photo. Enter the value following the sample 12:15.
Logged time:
3:03
